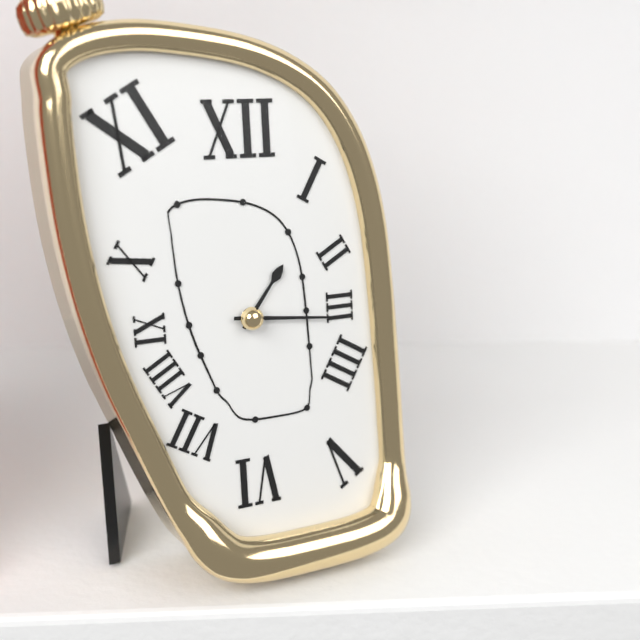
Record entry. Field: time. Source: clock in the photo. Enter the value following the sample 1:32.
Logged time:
1:16
